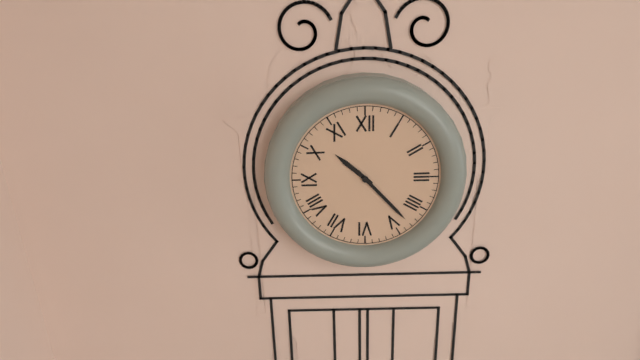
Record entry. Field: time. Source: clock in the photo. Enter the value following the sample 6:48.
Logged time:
10:23
